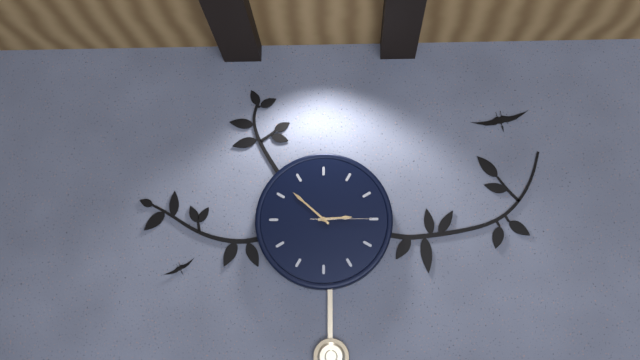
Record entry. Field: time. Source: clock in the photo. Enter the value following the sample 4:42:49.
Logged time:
2:52:15
